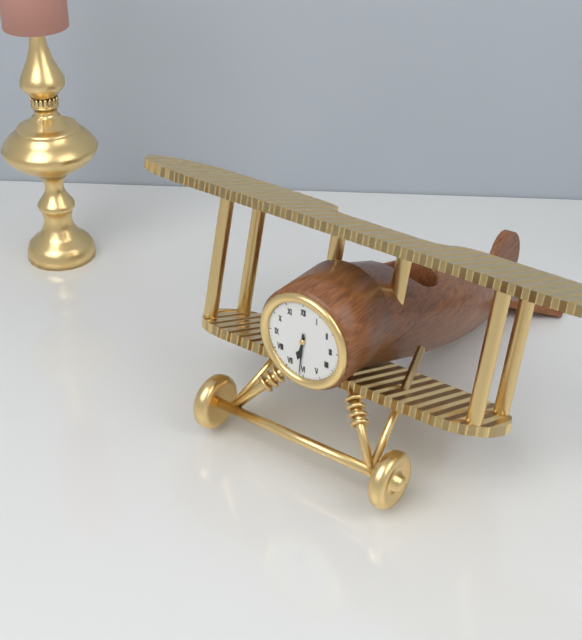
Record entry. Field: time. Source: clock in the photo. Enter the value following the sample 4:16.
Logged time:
6:31
